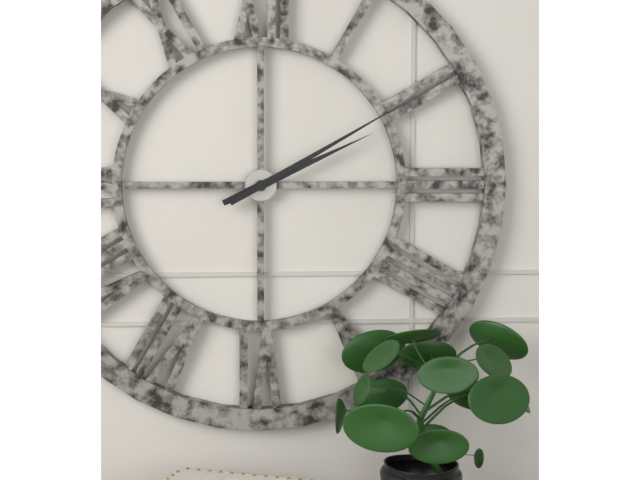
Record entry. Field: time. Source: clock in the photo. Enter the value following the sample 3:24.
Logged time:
2:10
